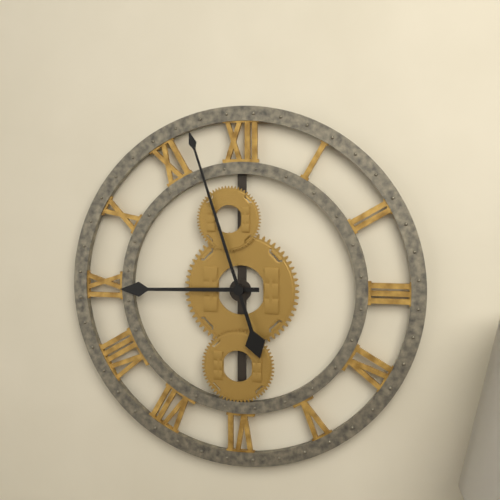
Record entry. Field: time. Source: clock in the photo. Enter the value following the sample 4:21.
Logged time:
8:57
